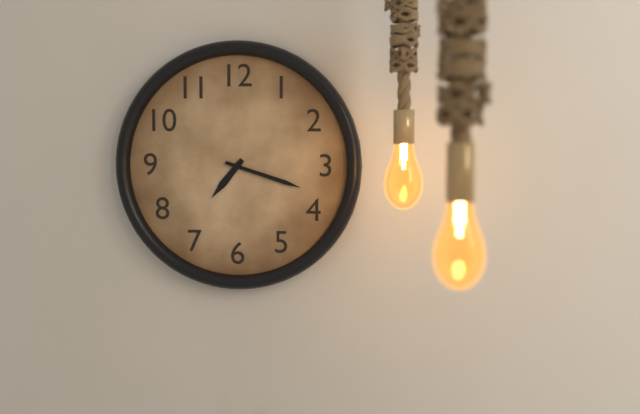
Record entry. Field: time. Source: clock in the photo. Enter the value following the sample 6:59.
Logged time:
7:18
